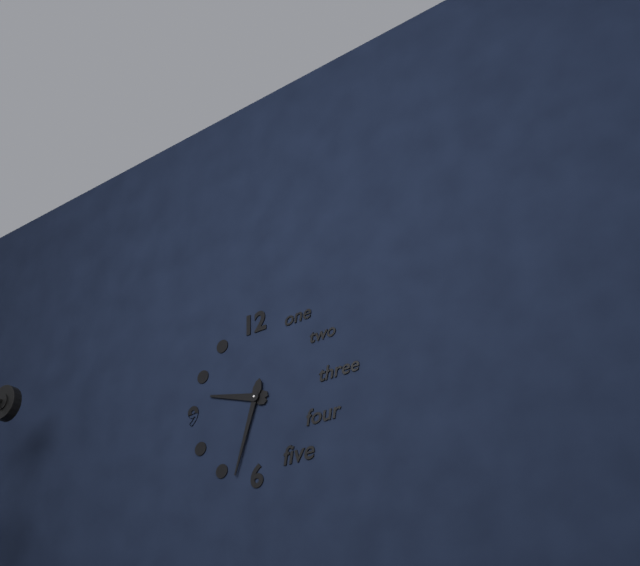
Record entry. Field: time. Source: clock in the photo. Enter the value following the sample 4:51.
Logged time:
9:33
